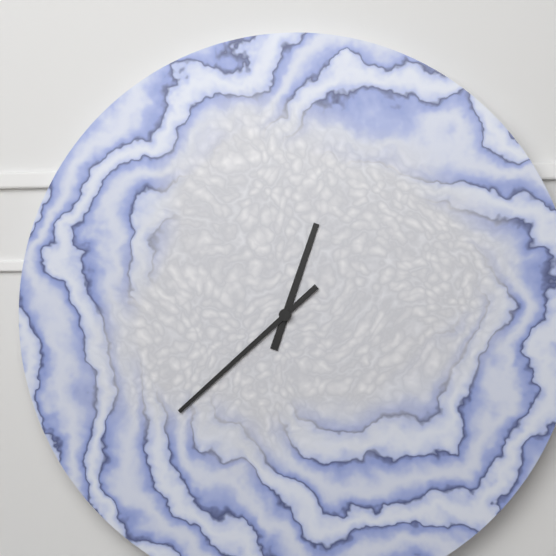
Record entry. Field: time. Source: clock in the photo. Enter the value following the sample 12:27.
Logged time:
12:38
